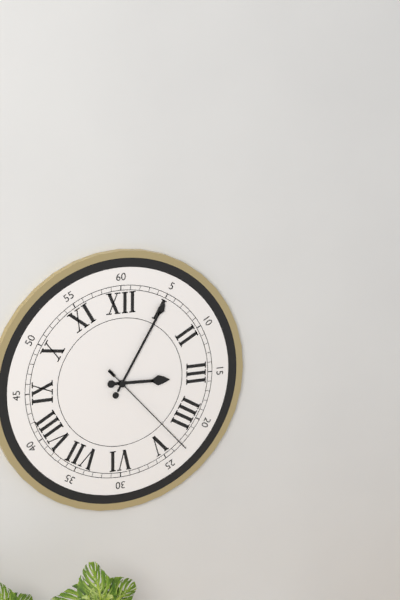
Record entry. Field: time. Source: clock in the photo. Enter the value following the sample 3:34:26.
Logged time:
3:05:23
